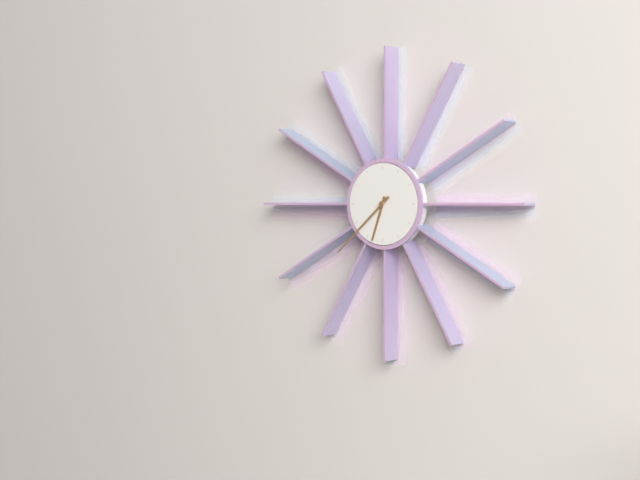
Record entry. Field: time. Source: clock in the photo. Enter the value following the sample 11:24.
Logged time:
6:38
